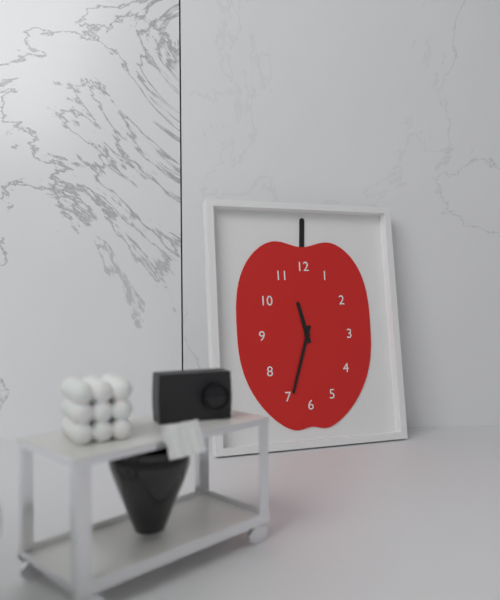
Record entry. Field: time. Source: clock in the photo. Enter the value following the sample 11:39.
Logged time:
11:33
